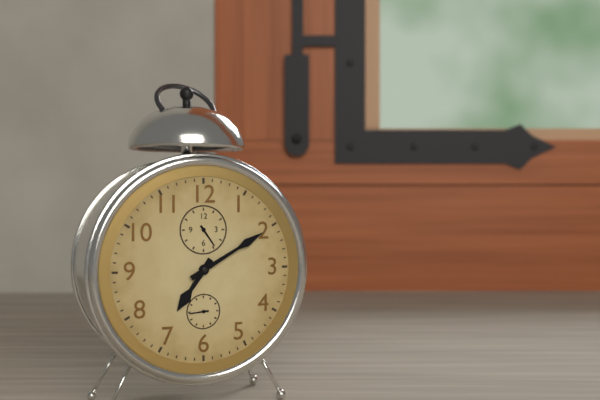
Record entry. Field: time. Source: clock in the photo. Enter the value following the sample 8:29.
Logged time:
7:10
